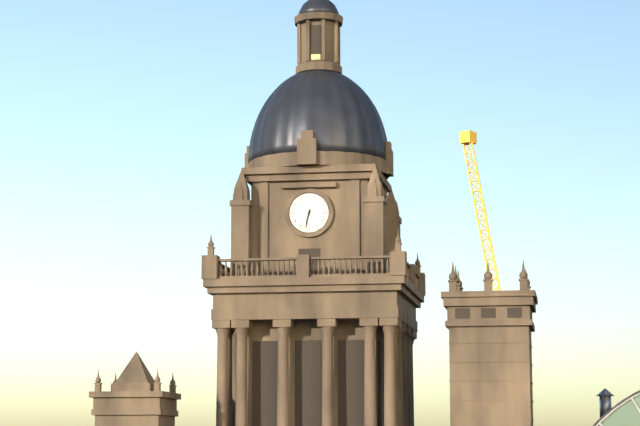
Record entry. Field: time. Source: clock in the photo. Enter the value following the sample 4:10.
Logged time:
6:32
